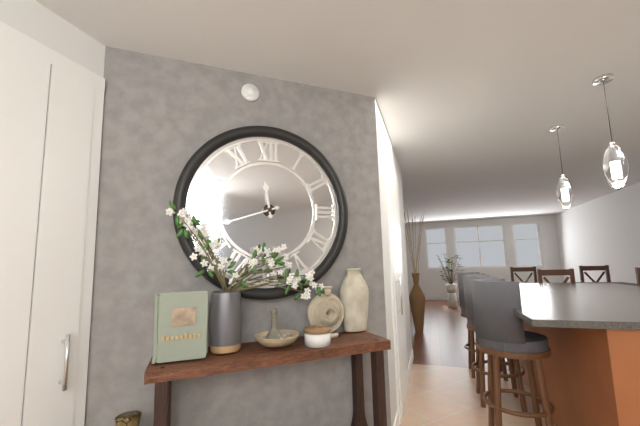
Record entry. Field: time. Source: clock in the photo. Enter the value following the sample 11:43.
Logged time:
11:42
